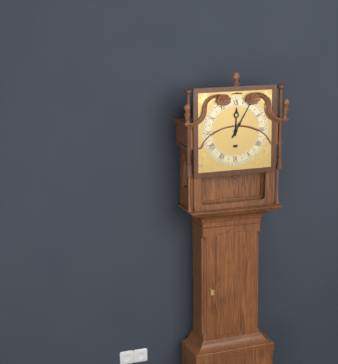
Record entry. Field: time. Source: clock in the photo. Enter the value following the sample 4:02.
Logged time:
12:05
